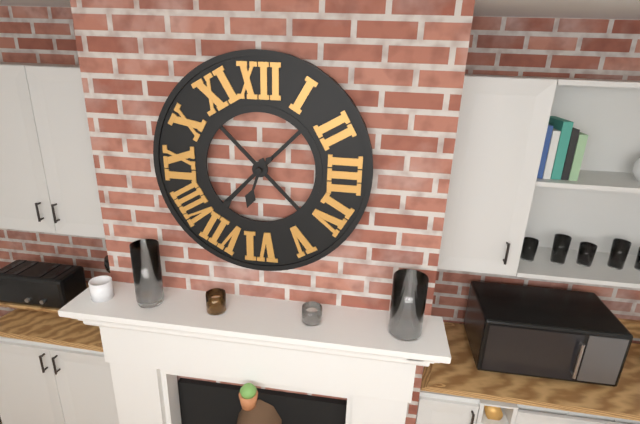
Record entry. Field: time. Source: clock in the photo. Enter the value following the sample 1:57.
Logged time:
6:37
